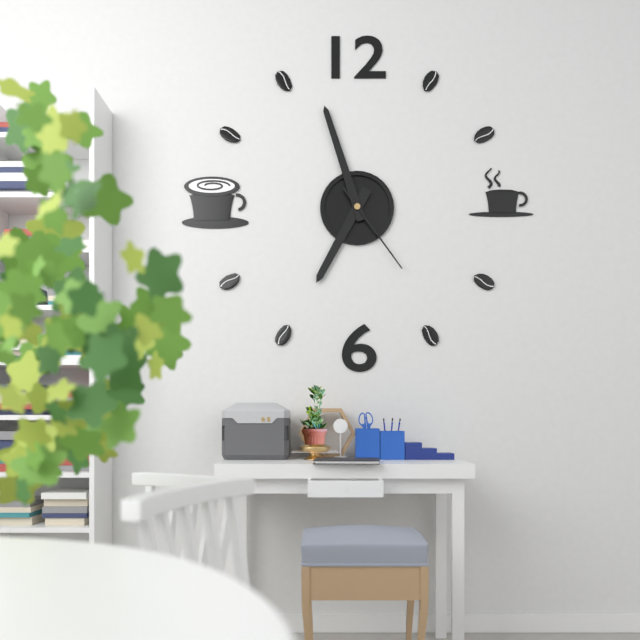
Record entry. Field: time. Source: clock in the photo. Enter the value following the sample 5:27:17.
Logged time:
6:57:24
